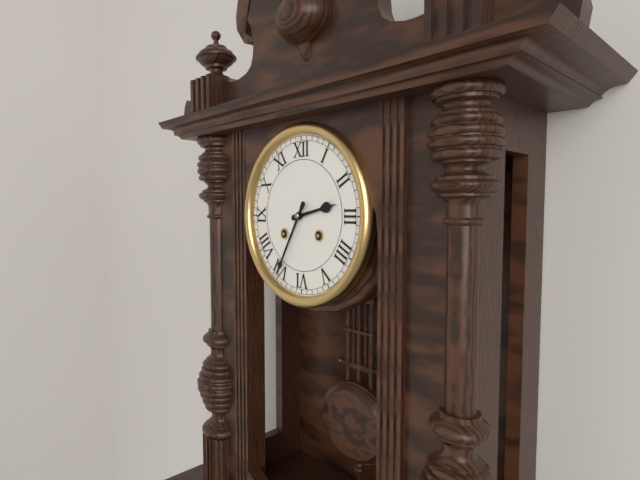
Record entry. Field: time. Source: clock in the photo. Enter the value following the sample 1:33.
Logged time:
2:35
